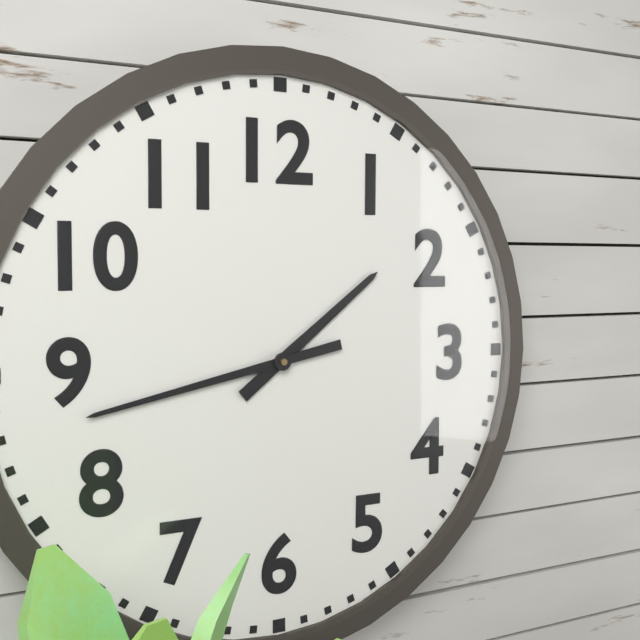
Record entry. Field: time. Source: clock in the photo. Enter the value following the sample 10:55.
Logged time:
1:43
